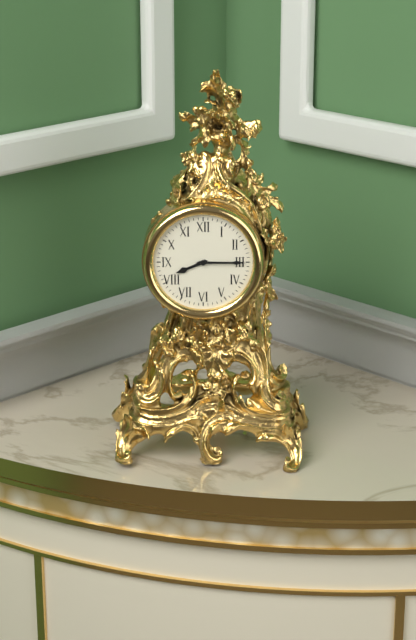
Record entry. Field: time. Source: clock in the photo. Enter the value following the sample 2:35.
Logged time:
8:15
